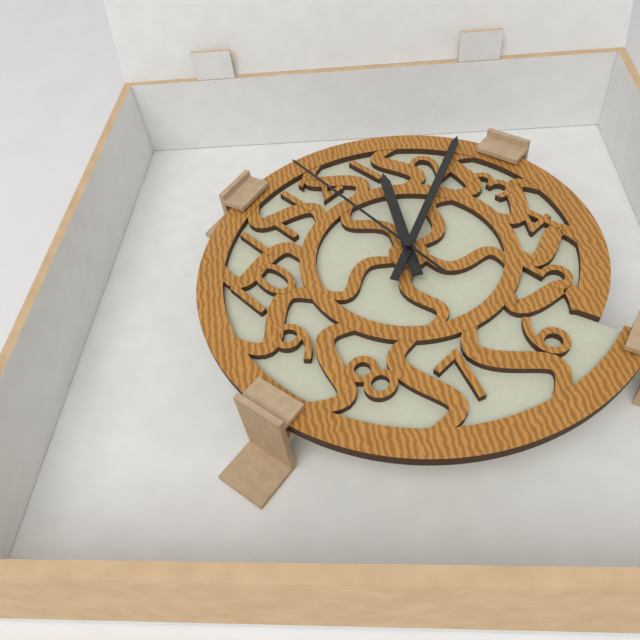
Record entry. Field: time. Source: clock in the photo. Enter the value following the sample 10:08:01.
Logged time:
1:11:01
